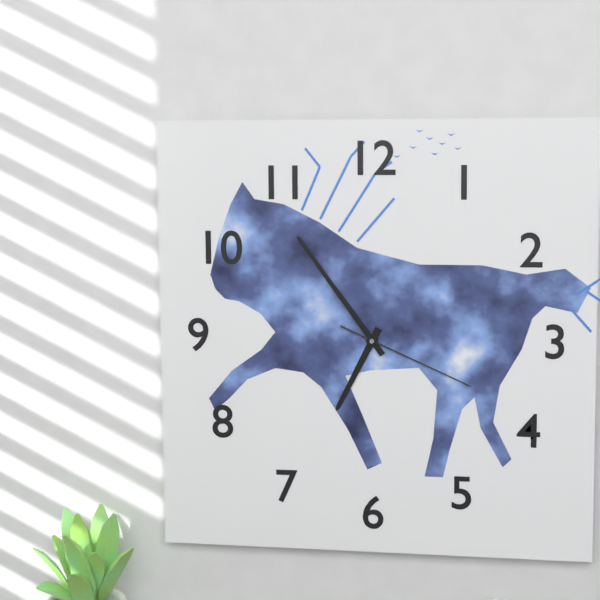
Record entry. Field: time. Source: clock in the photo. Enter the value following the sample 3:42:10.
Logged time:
6:54:19
